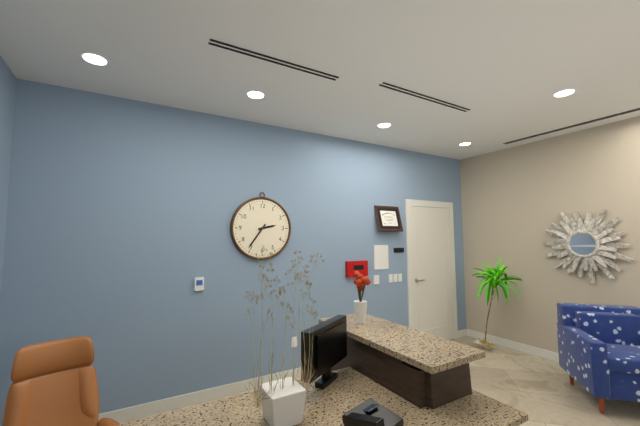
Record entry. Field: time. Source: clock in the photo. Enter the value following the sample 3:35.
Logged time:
2:36
